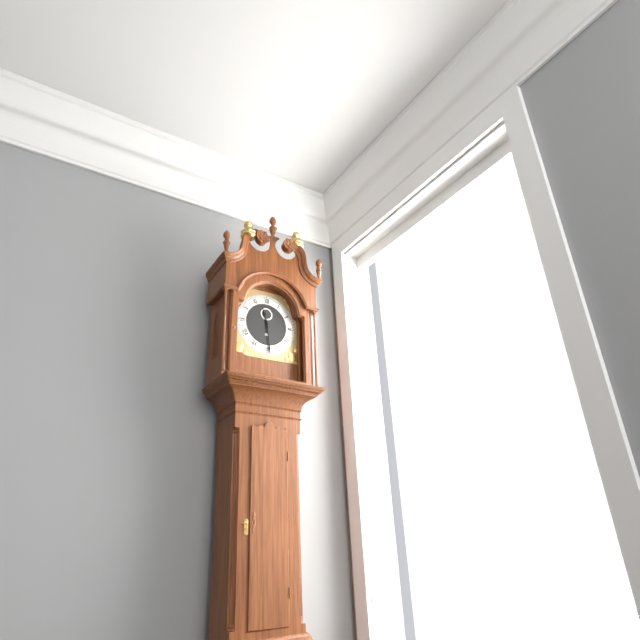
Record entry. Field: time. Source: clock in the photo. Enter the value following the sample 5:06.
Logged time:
11:29
